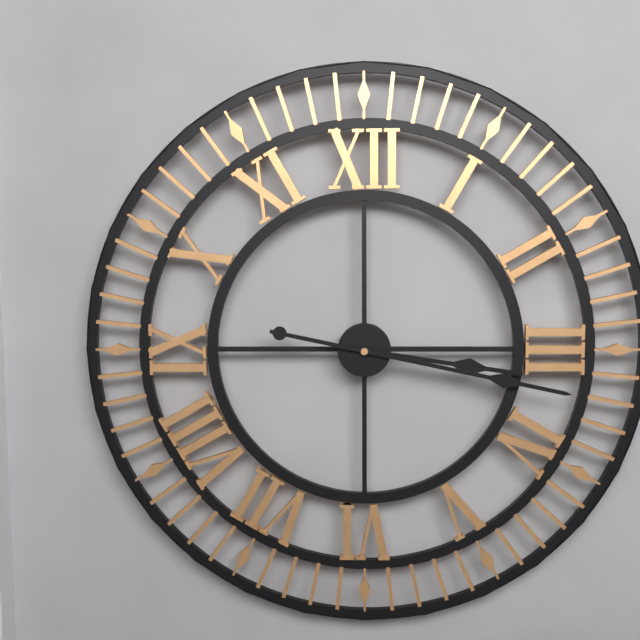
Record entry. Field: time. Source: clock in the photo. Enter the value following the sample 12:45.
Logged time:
3:17
